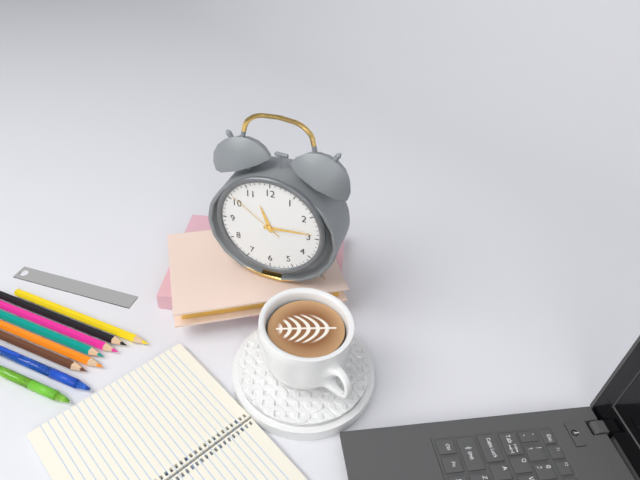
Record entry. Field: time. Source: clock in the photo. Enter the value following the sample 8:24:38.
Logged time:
11:14:51
